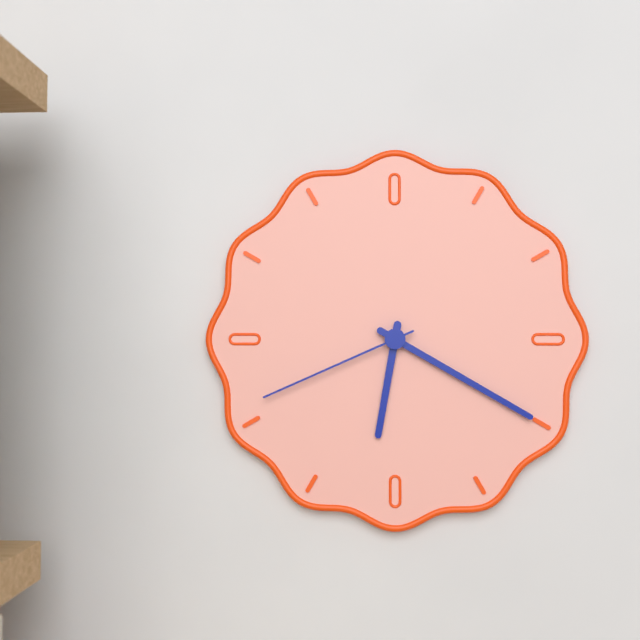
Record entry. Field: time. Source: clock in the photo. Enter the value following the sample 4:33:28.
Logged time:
6:20:41
